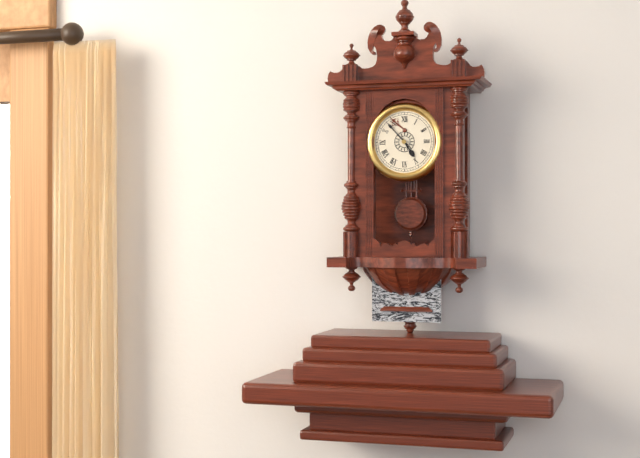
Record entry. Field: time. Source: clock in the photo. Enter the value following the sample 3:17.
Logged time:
4:53
